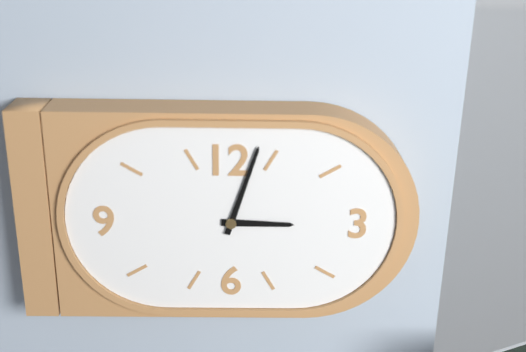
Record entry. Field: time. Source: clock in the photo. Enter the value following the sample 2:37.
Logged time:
3:03
